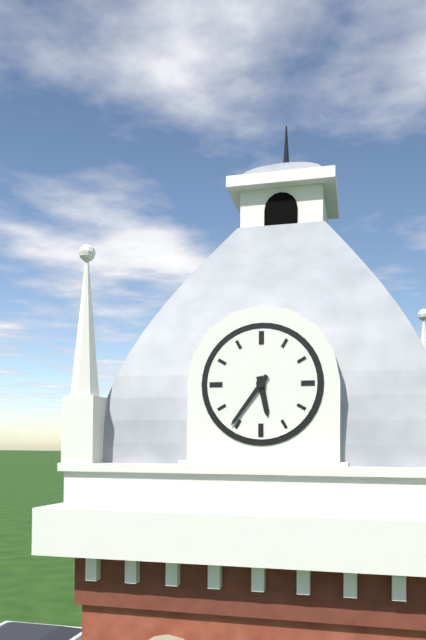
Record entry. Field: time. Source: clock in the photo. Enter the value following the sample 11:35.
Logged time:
5:36
